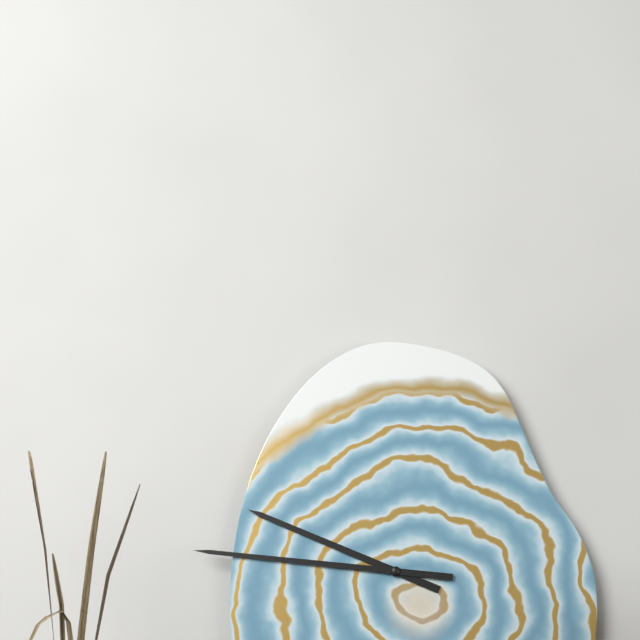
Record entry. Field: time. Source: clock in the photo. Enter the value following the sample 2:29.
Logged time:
9:46
